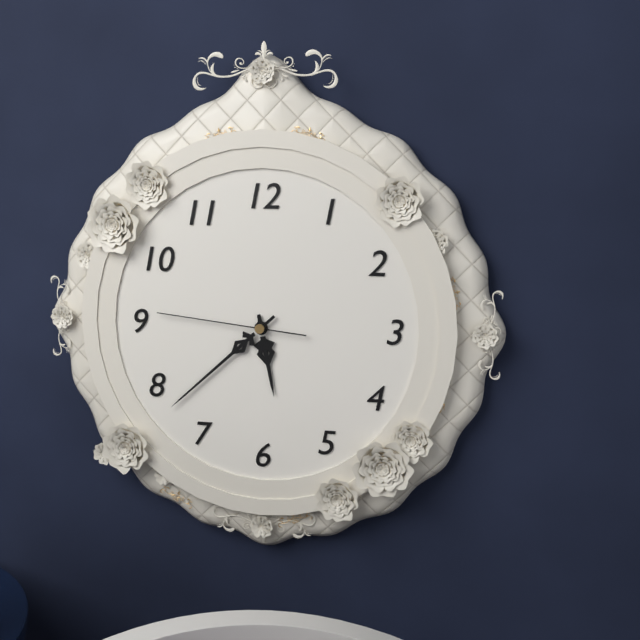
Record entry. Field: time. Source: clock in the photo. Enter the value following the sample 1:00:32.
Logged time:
5:38:46
